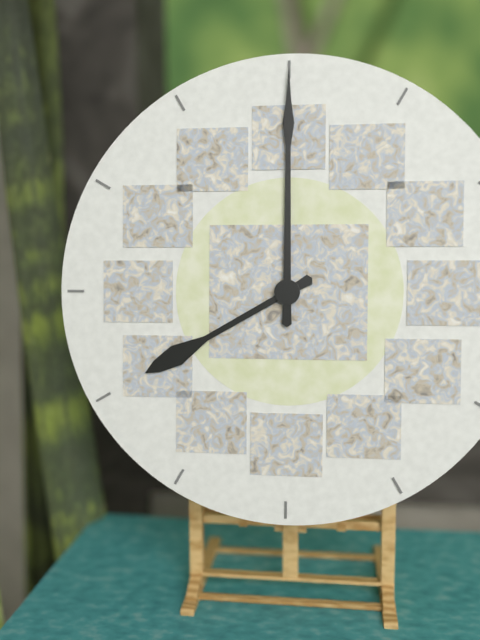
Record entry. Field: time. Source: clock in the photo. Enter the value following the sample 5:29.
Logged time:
8:00
